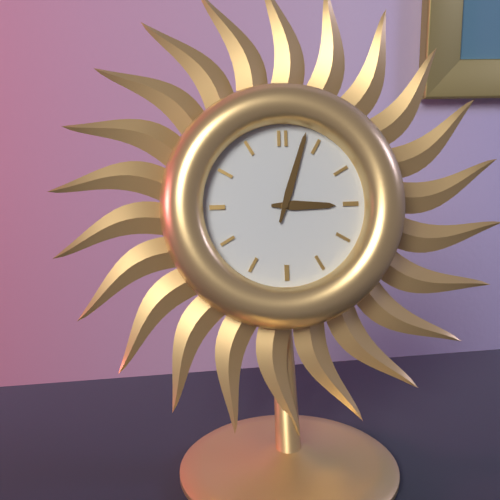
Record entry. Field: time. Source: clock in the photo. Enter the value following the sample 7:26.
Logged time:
3:03
